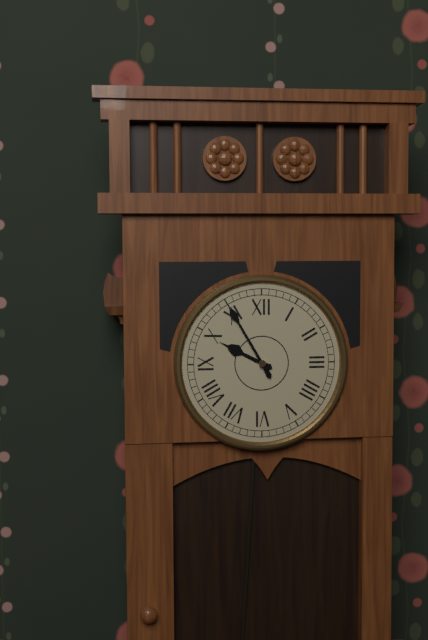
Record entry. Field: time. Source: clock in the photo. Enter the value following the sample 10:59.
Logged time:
9:55
